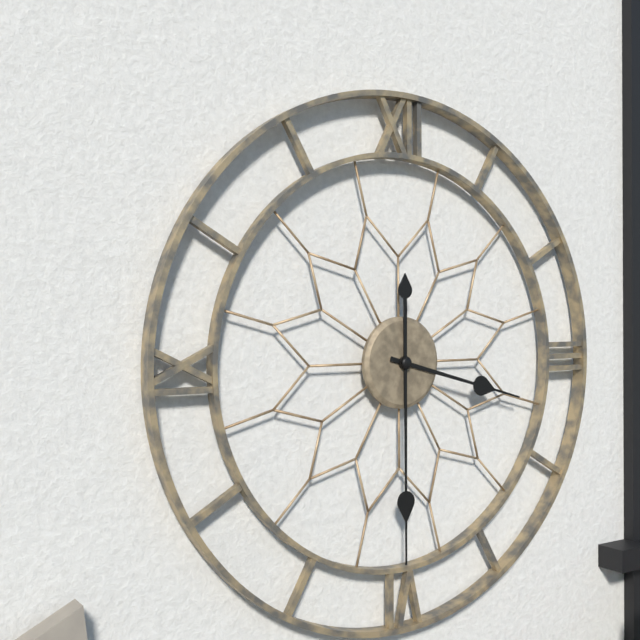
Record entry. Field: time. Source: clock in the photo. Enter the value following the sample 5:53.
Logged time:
3:30
